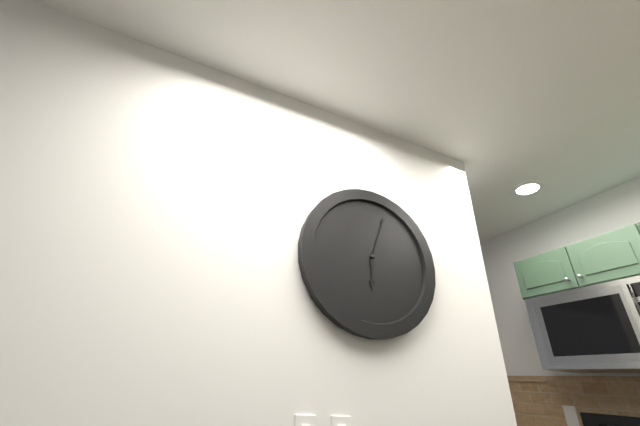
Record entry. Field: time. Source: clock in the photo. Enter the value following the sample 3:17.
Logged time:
6:03
